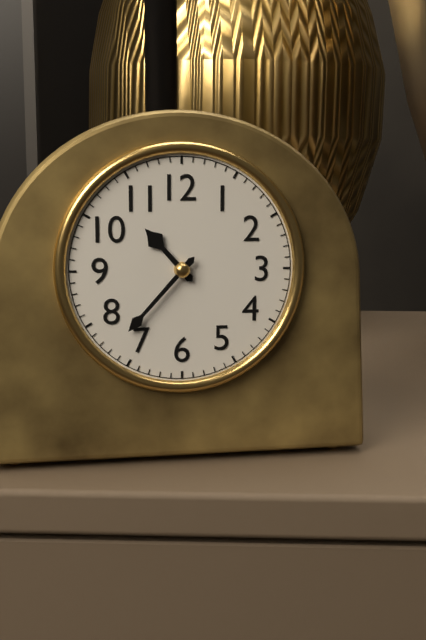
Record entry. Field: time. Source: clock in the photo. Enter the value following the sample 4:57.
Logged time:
10:37
